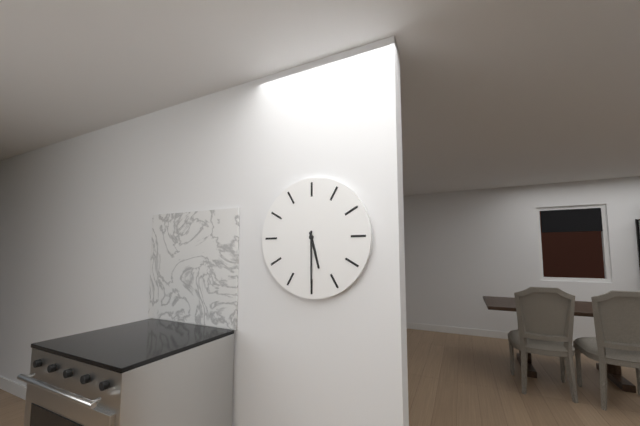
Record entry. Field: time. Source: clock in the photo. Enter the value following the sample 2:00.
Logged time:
5:30
